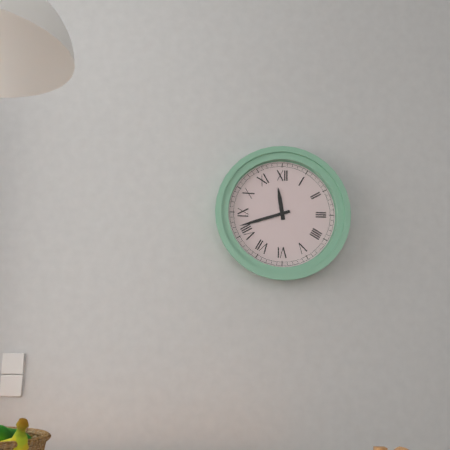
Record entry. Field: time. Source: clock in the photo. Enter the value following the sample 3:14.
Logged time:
11:42
